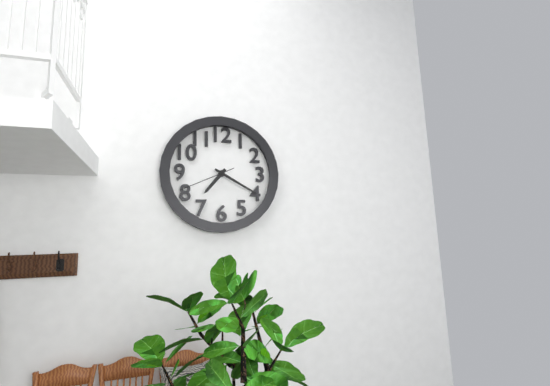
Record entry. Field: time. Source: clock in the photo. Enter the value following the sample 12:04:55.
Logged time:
7:20:41
